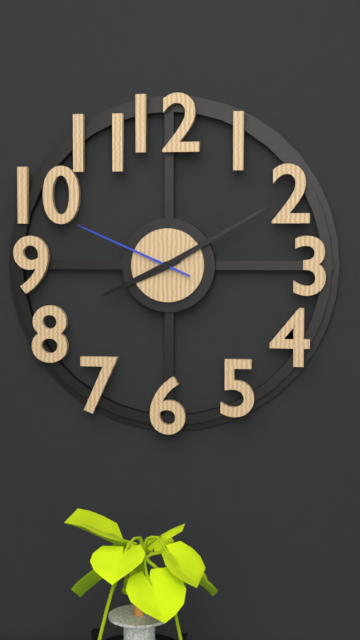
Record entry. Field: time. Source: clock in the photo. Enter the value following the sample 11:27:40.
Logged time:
8:10:49
